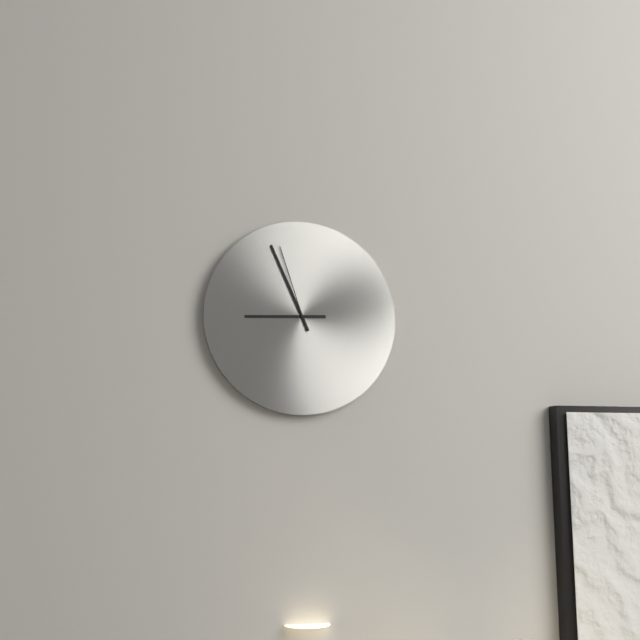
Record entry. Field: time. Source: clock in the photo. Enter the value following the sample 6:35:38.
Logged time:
8:56:57
